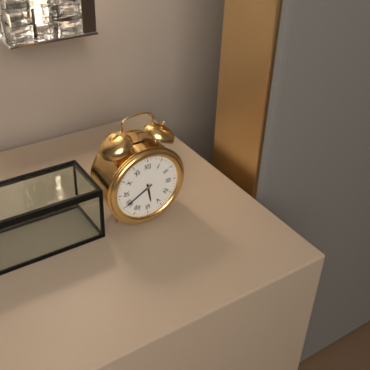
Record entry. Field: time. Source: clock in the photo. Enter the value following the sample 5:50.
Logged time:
5:40
